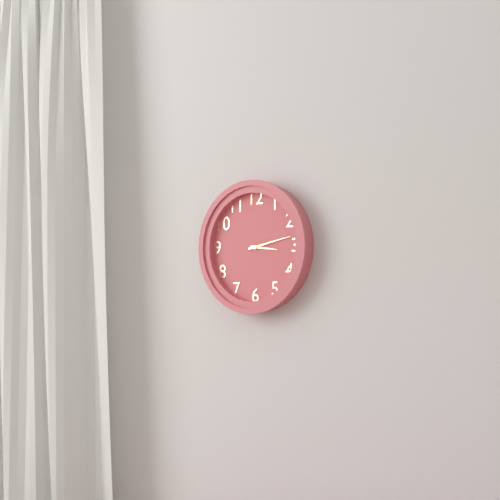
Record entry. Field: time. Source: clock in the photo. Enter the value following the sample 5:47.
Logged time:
3:13
